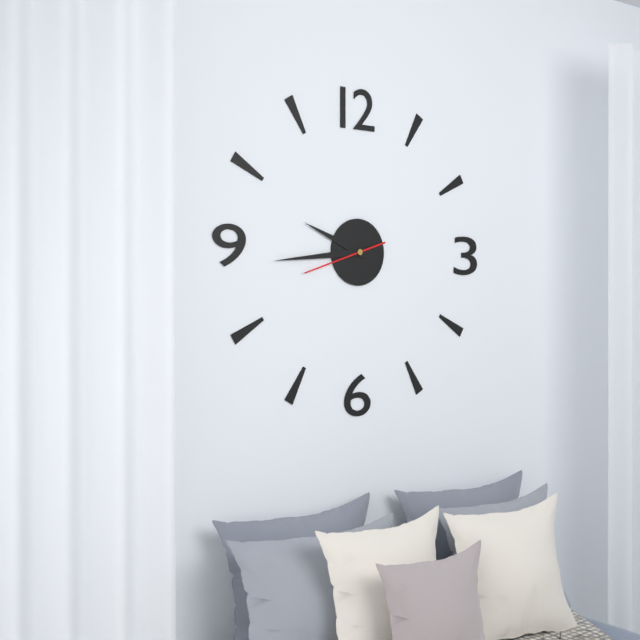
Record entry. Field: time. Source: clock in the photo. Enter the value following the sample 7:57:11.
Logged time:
9:44:42
